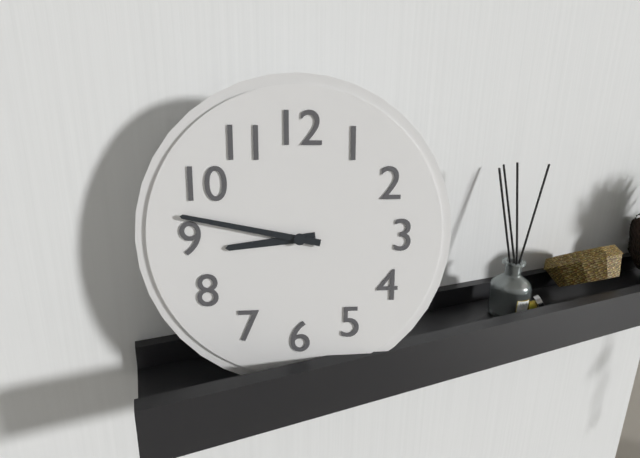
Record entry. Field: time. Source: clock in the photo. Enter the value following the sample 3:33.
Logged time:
8:47
